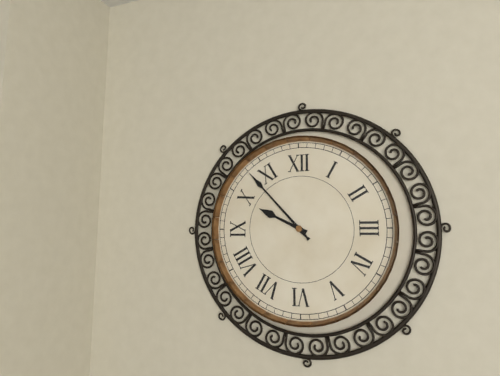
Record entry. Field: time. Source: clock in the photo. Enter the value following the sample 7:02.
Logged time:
9:53
